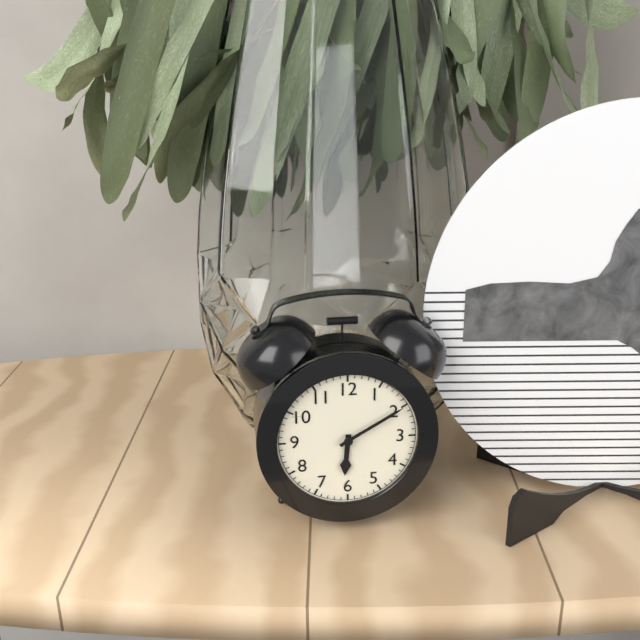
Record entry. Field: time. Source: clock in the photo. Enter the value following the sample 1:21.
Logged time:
6:10
